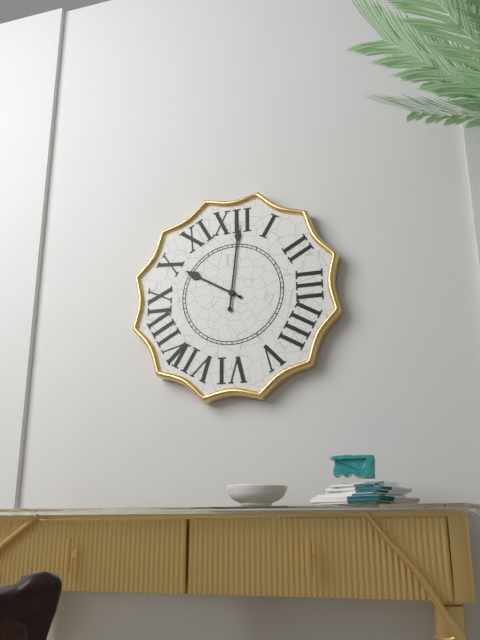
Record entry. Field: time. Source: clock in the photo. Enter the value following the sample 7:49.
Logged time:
10:01
